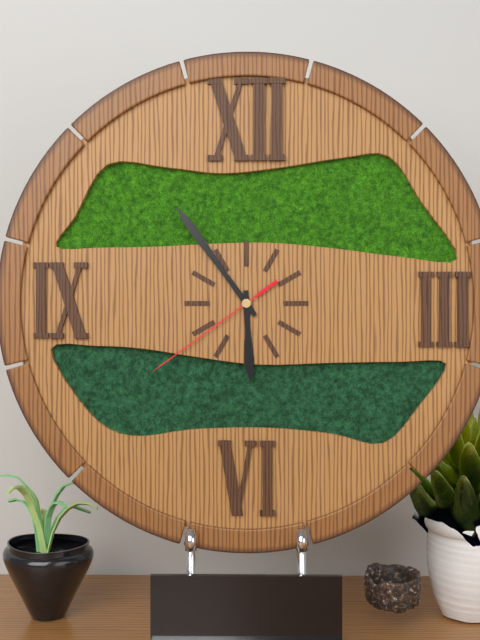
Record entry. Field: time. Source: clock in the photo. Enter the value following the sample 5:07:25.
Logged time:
5:54:39
